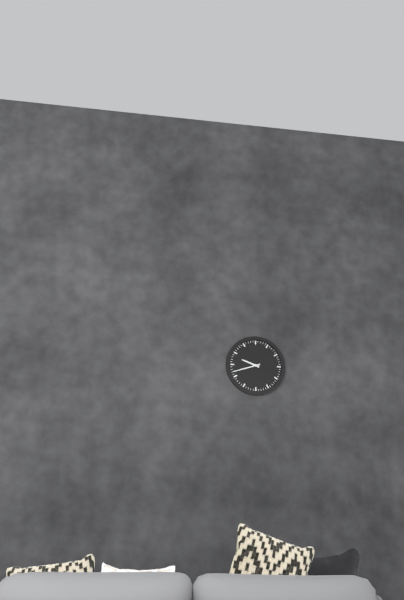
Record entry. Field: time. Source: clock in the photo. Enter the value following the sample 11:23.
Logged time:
9:42
